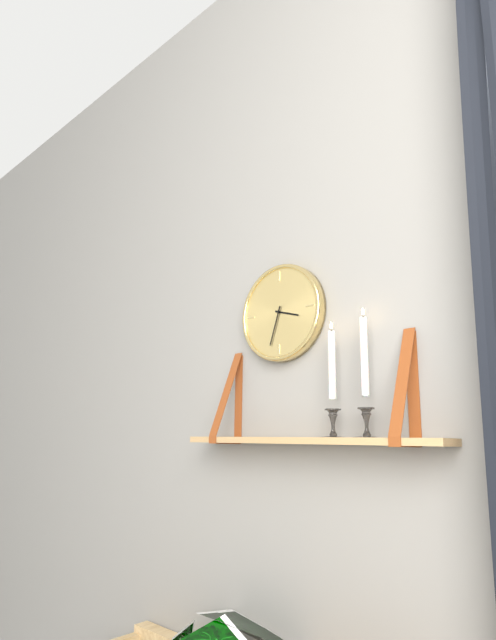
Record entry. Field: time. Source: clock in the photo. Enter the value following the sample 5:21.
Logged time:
3:33
